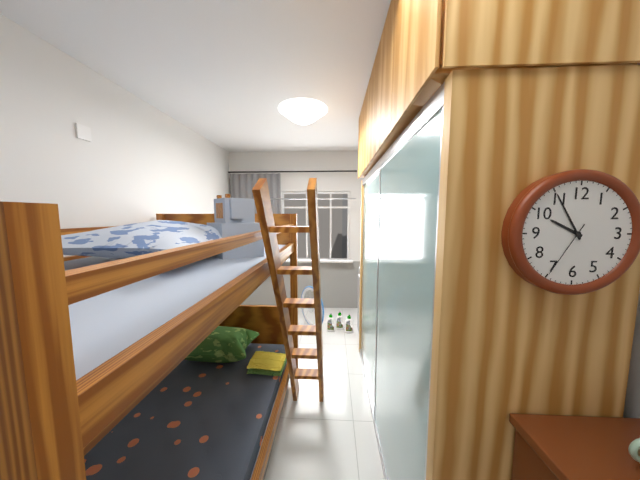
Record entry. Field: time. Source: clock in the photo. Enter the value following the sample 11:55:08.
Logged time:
9:55:35
